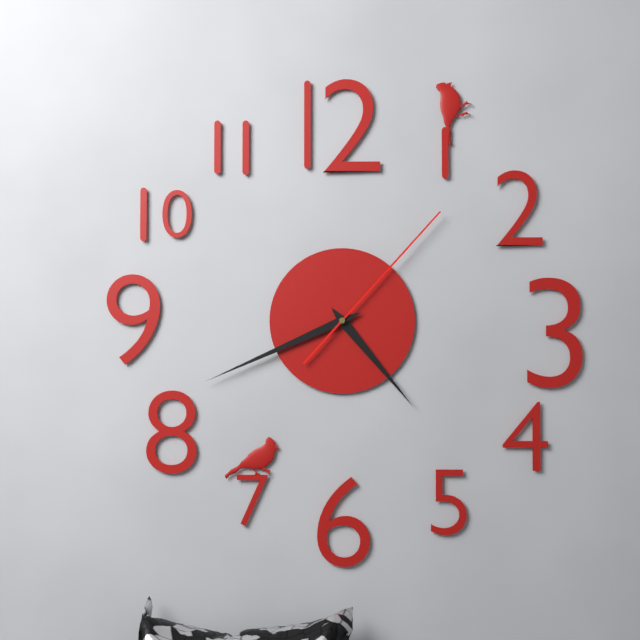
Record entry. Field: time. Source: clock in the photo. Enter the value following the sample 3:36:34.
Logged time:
4:41:07
